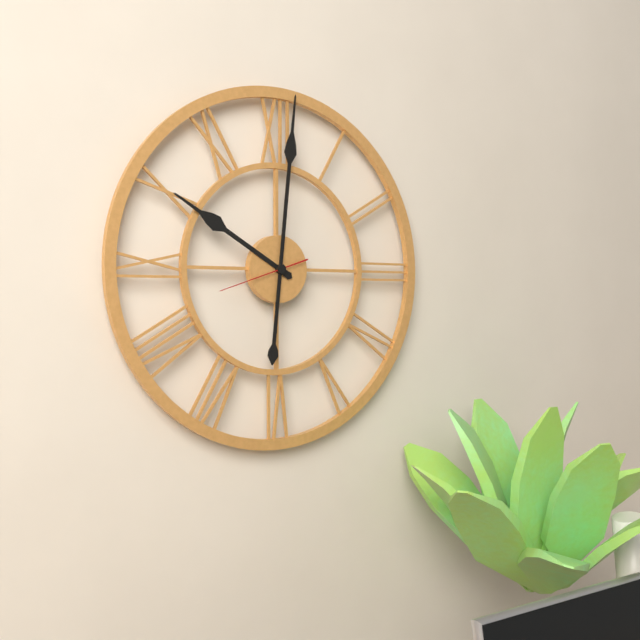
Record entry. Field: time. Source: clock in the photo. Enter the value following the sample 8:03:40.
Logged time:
10:01:42
